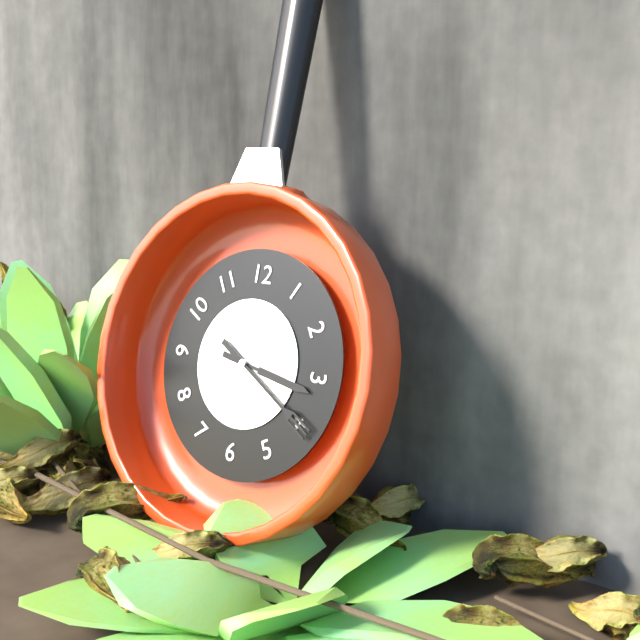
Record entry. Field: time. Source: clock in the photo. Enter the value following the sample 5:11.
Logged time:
3:20
